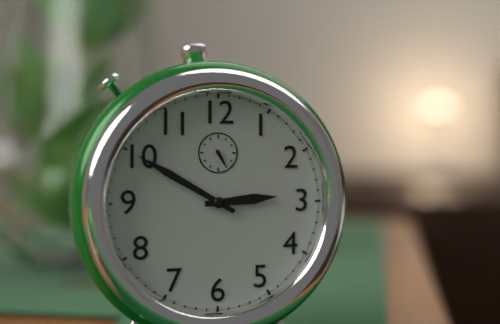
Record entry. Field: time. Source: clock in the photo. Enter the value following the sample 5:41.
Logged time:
2:50
